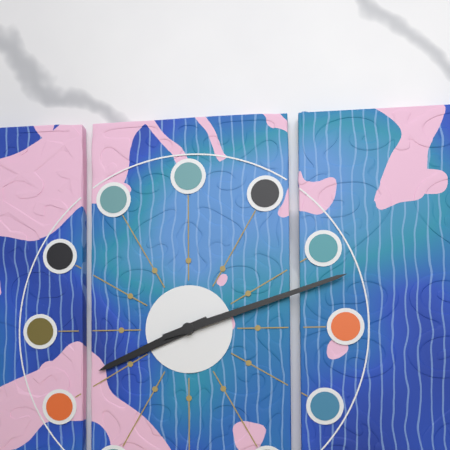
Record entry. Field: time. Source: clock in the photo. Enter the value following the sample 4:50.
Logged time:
8:12
